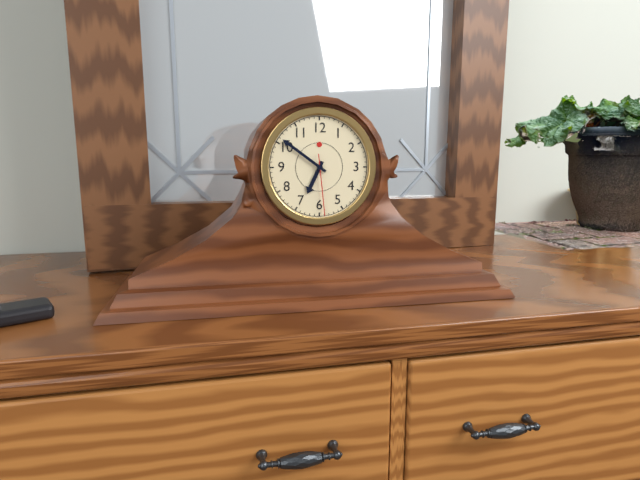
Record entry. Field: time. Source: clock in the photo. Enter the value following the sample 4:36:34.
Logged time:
6:51:29
